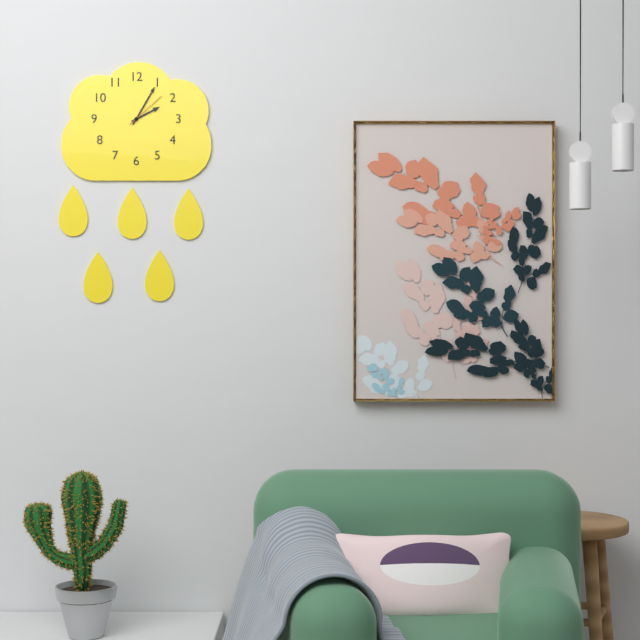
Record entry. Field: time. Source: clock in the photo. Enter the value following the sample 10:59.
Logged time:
2:05
